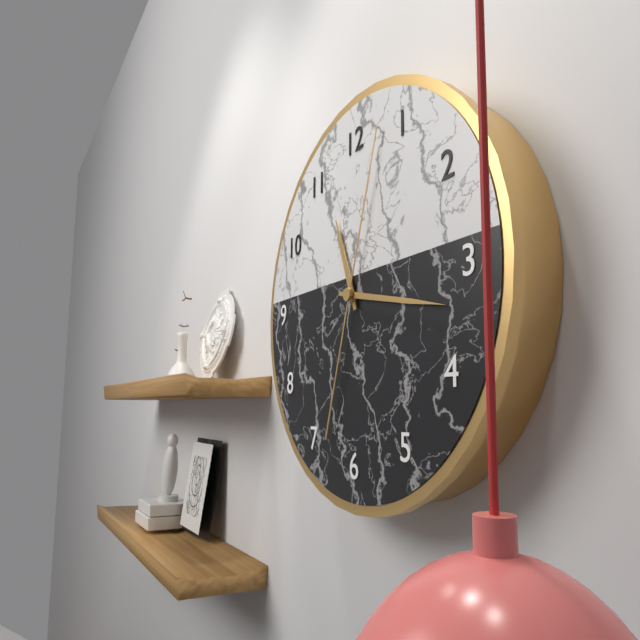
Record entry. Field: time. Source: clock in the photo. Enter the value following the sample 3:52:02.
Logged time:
11:17:03
